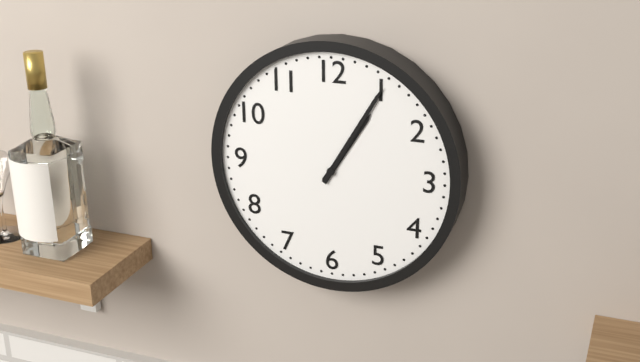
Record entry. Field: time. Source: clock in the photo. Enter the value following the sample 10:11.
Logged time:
1:05
